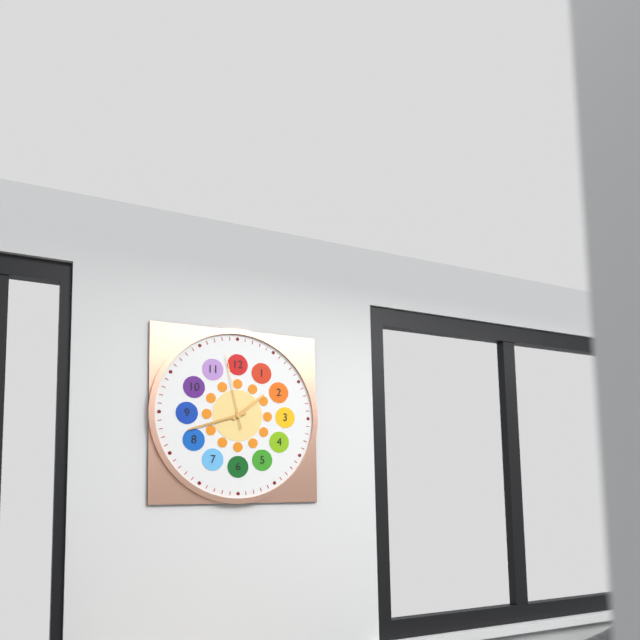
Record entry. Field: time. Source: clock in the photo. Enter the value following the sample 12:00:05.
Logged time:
1:42:58
